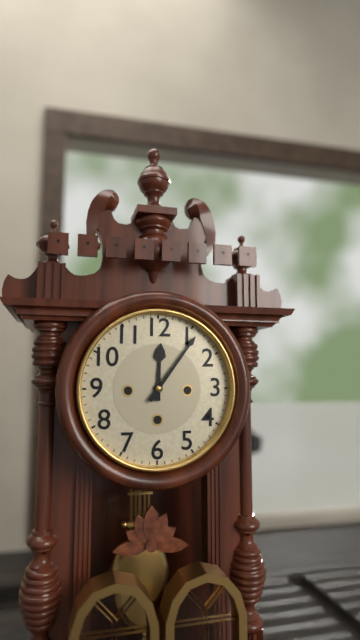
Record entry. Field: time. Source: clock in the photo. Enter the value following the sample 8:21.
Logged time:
12:06
